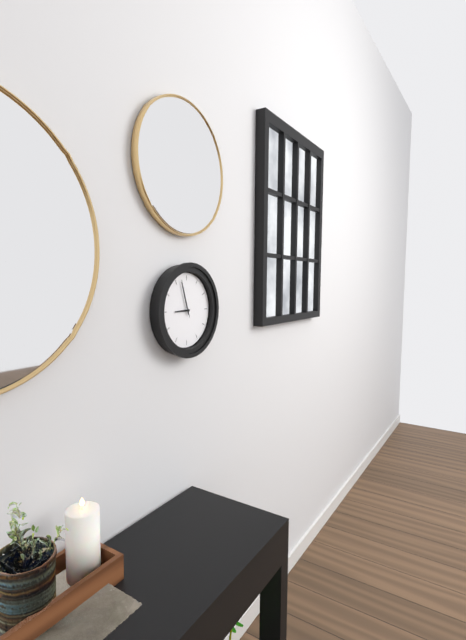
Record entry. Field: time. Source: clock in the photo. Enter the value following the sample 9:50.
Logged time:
8:57
